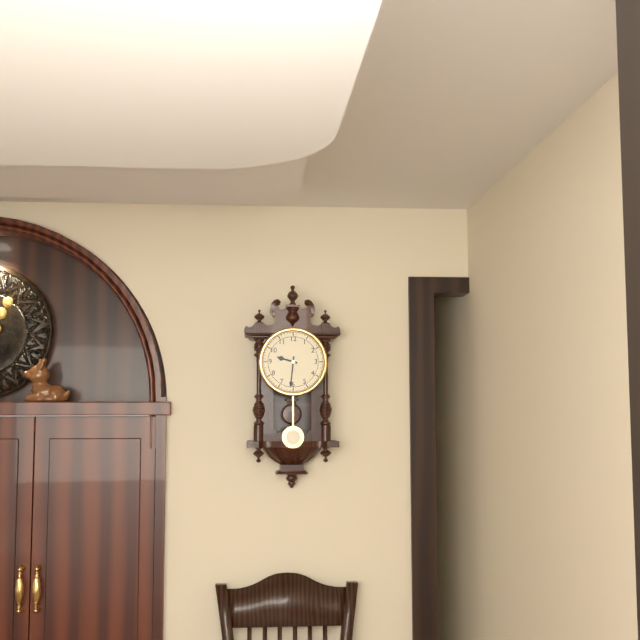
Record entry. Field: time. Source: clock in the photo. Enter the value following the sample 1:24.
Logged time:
9:31
